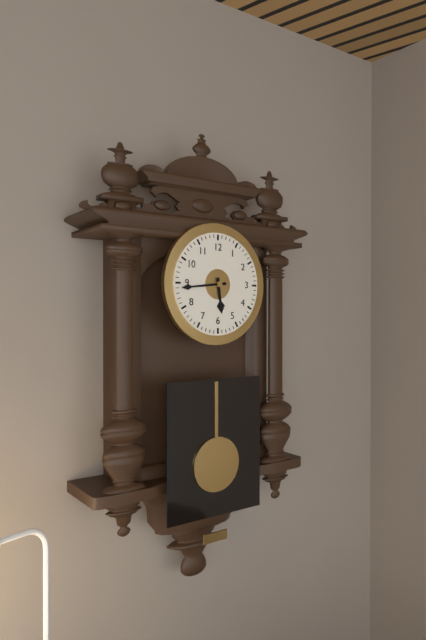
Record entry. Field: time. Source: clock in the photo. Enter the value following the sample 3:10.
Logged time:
5:44
